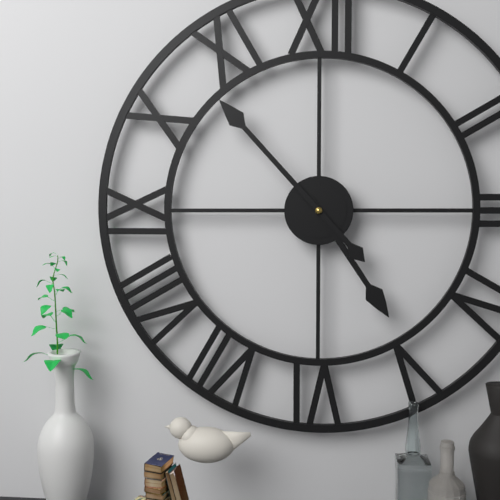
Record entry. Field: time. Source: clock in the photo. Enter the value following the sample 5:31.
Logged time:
4:53
